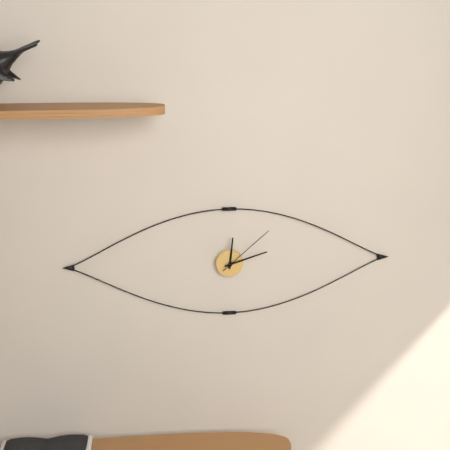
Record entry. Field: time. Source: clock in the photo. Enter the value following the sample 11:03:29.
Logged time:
12:12:08
